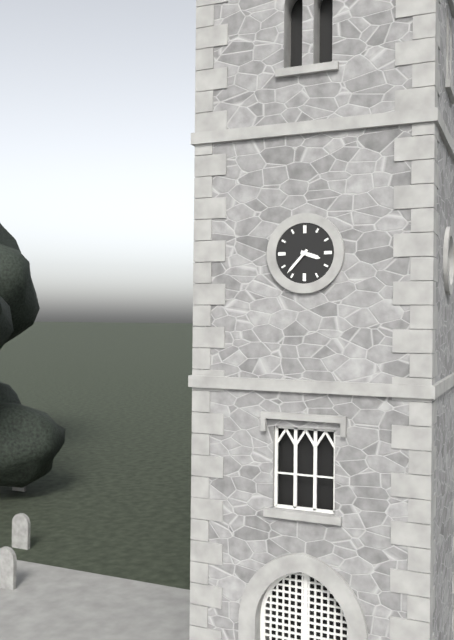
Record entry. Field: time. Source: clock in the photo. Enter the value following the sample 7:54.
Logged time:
3:37
